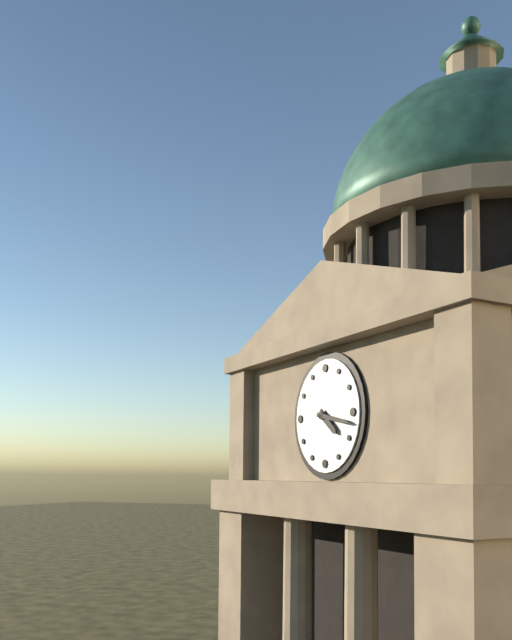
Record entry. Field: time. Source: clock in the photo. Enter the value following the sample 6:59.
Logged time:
4:17
